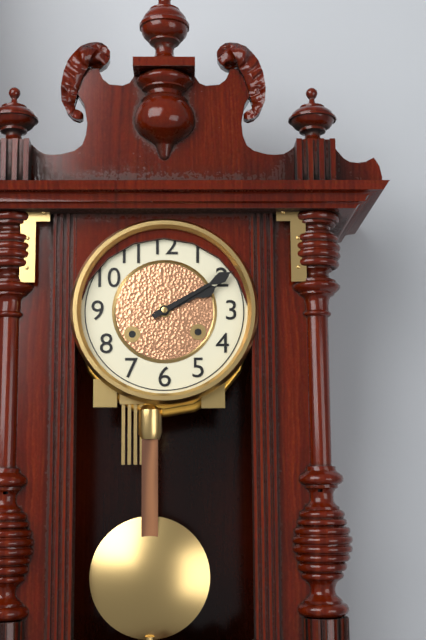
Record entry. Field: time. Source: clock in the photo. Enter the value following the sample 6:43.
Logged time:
2:10
